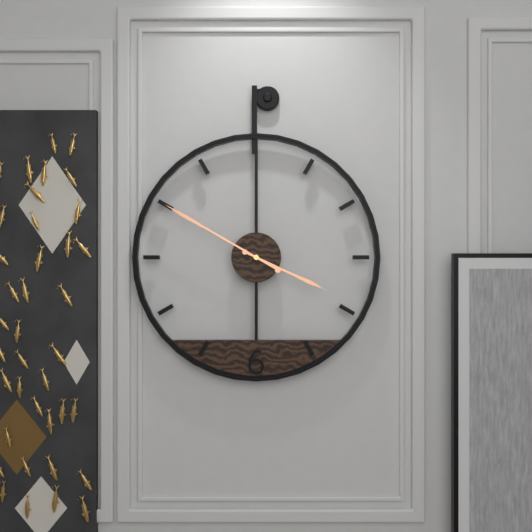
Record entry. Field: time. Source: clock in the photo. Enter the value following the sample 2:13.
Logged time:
3:50
